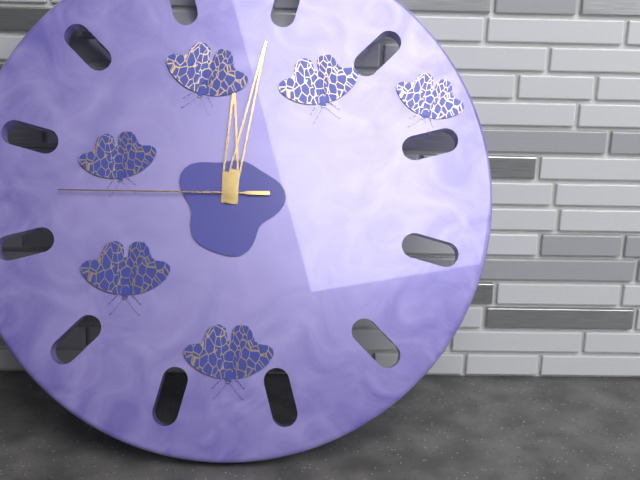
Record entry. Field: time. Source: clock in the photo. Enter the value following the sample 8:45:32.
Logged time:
12:02:45
